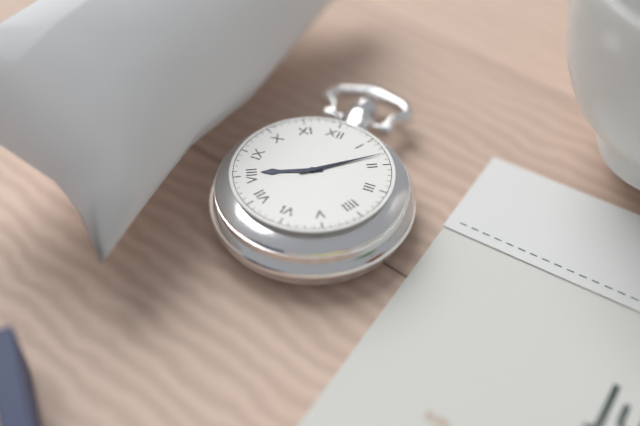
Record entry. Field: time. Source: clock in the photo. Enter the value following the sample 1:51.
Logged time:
8:08
